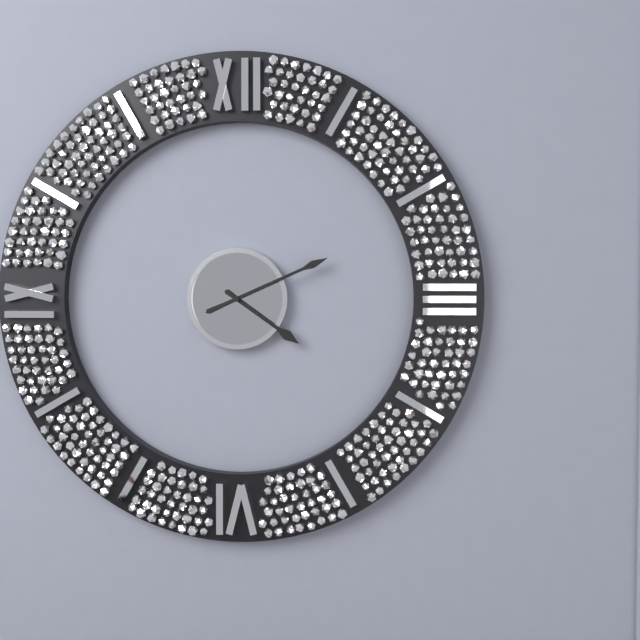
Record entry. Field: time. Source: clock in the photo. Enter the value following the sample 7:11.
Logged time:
4:11
